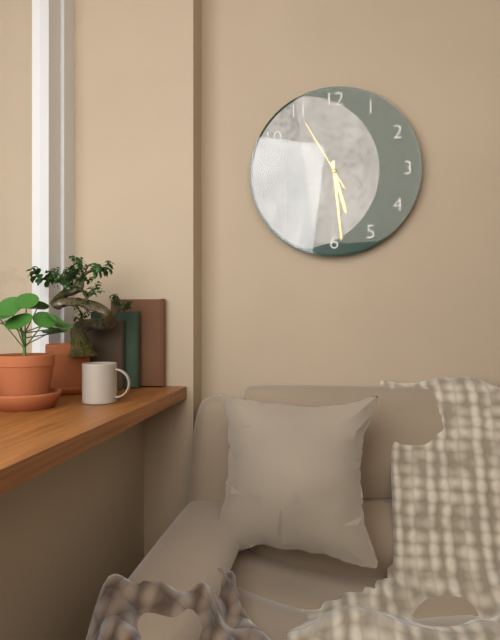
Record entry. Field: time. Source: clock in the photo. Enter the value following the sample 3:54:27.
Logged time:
5:29:55
